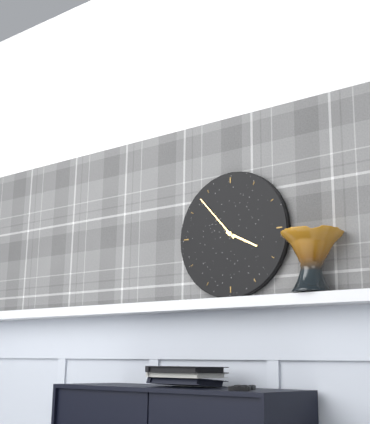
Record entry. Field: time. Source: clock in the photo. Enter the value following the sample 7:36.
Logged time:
3:53
